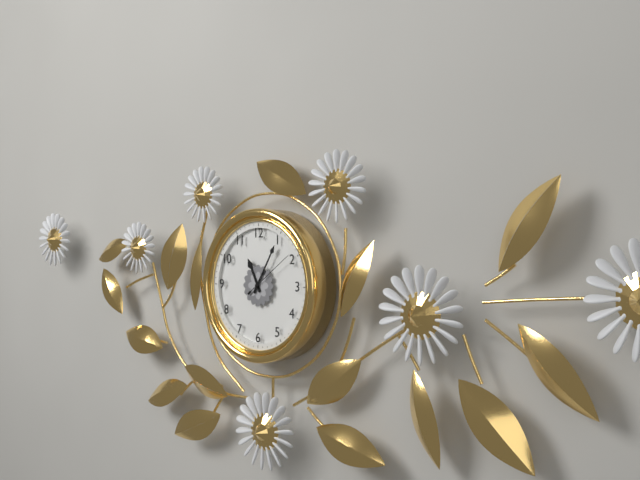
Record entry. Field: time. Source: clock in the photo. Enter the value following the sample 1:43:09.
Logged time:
11:05:09
